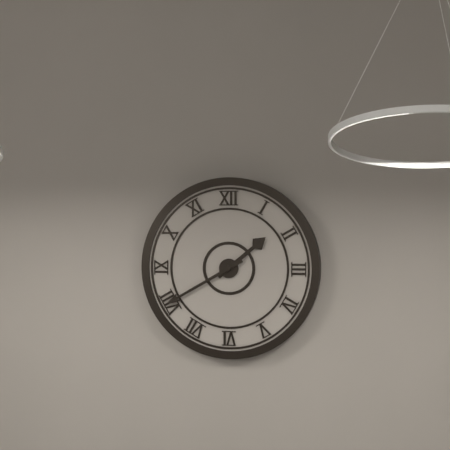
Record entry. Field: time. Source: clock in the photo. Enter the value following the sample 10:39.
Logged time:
1:40
